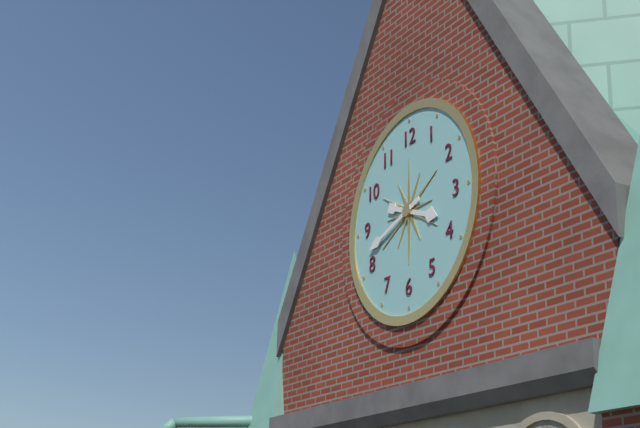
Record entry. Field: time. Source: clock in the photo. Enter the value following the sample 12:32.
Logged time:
3:42
